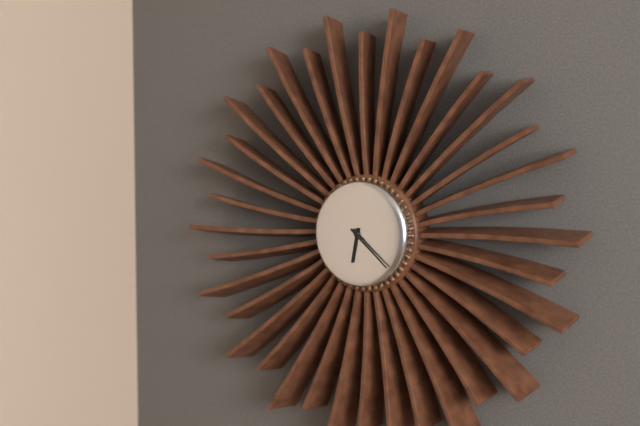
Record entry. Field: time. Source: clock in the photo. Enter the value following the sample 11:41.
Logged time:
6:22
